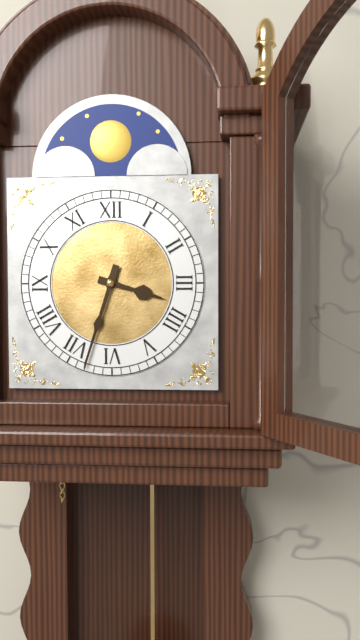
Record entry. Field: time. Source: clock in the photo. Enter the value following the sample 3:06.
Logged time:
3:33
